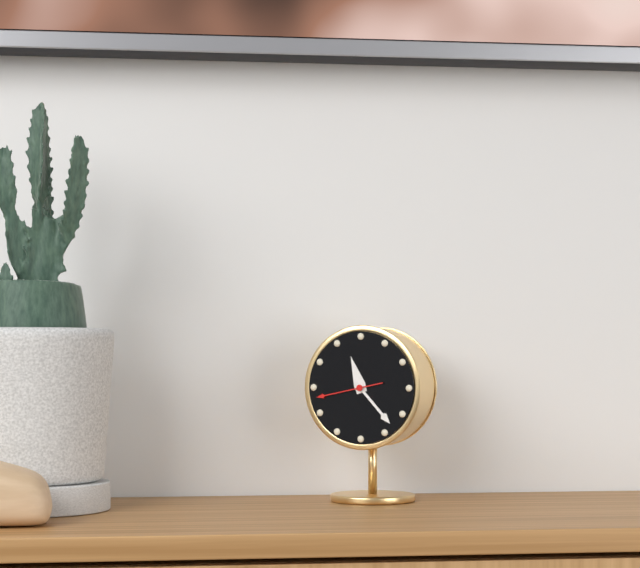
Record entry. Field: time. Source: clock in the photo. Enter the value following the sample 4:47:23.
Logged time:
11:23:43
